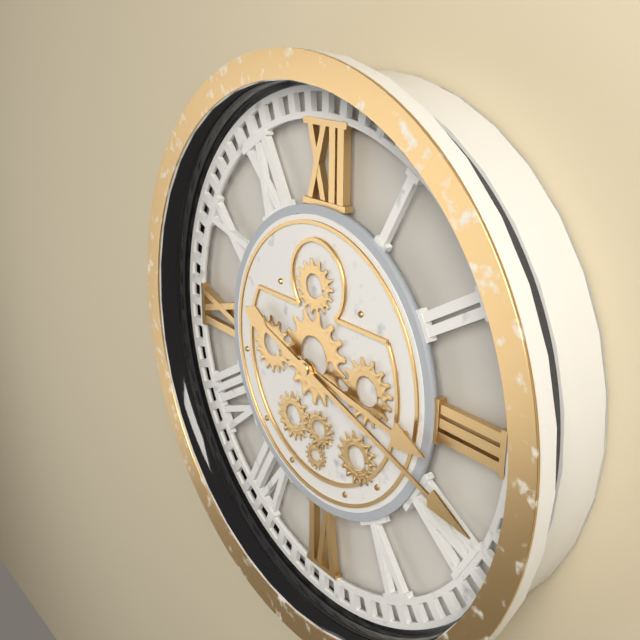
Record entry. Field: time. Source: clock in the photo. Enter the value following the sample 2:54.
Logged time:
3:18
